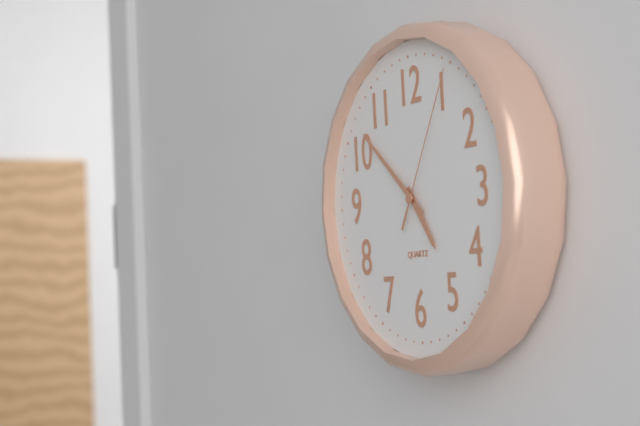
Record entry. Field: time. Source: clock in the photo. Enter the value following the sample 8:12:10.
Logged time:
4:52:05
